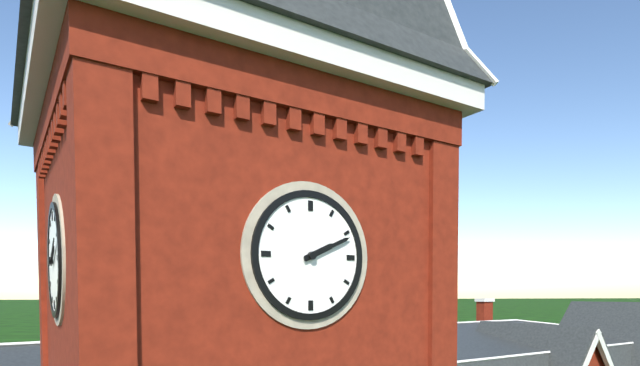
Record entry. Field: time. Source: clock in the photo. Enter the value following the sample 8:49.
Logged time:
2:11
